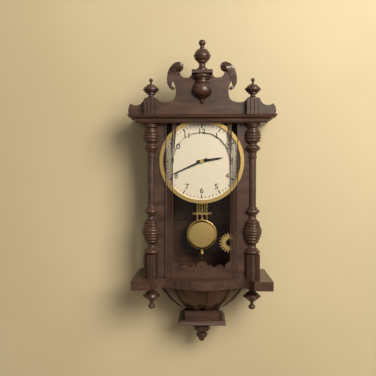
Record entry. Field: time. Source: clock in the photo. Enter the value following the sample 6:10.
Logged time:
2:41
